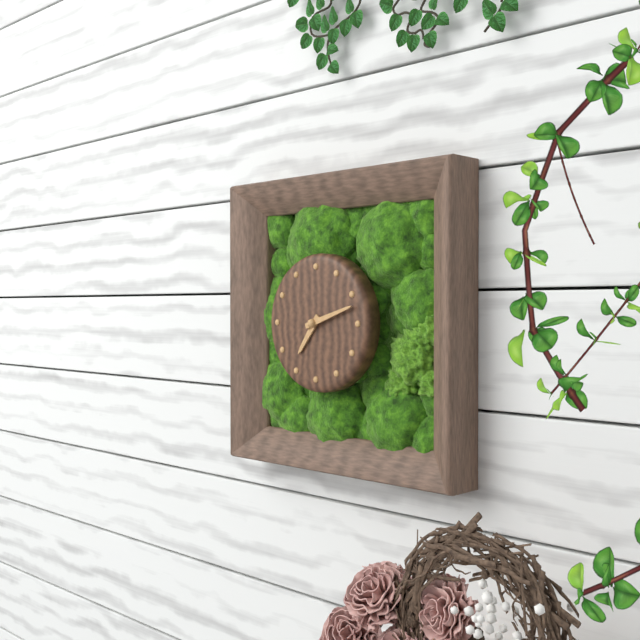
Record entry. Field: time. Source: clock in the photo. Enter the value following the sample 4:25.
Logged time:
7:12
